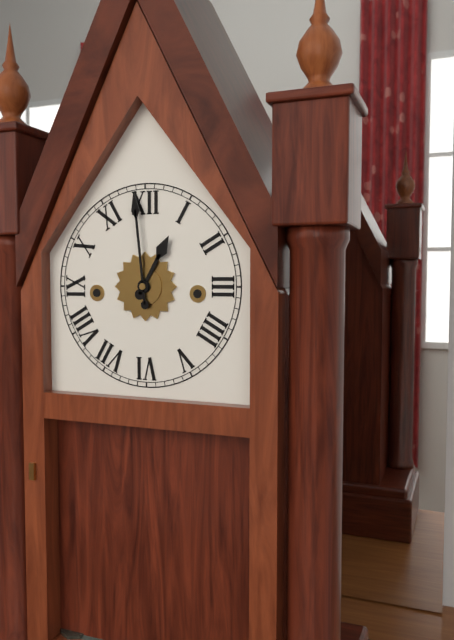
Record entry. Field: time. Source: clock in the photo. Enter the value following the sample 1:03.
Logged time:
12:59
